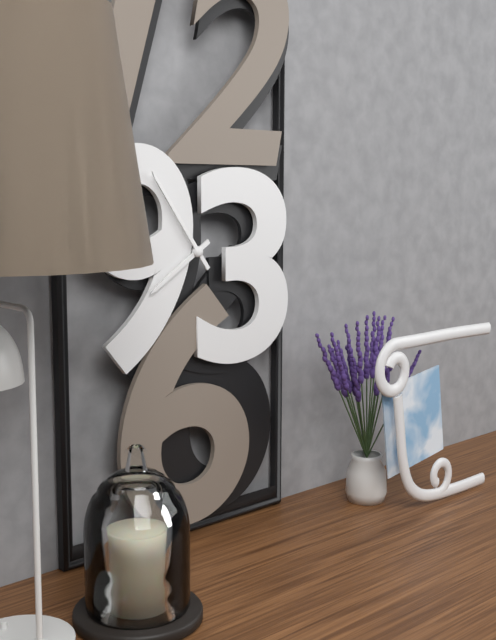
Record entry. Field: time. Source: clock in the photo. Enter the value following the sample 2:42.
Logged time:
7:54
